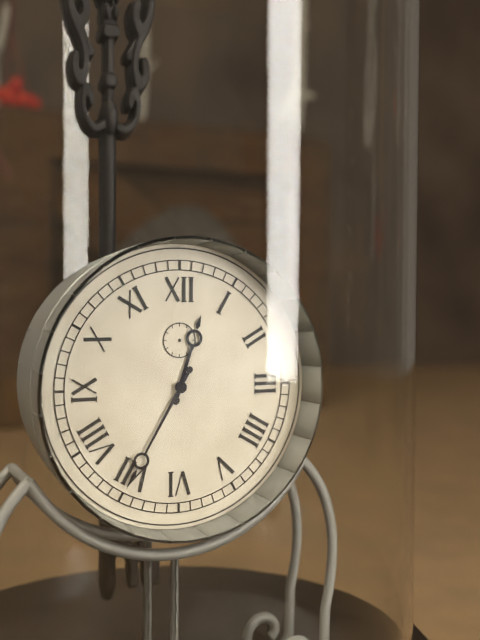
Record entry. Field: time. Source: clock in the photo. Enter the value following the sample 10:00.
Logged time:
12:35
